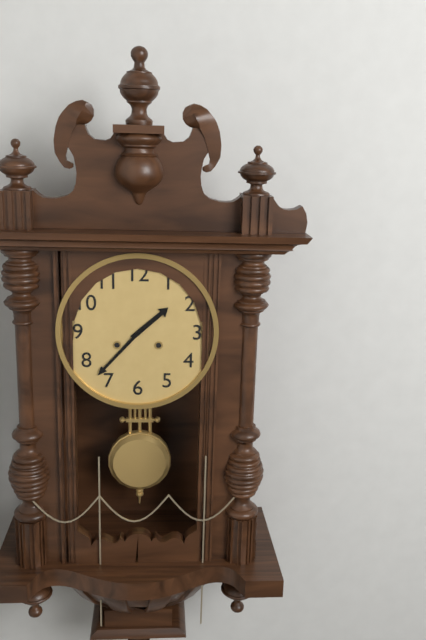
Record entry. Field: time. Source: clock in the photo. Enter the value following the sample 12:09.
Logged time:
1:37
